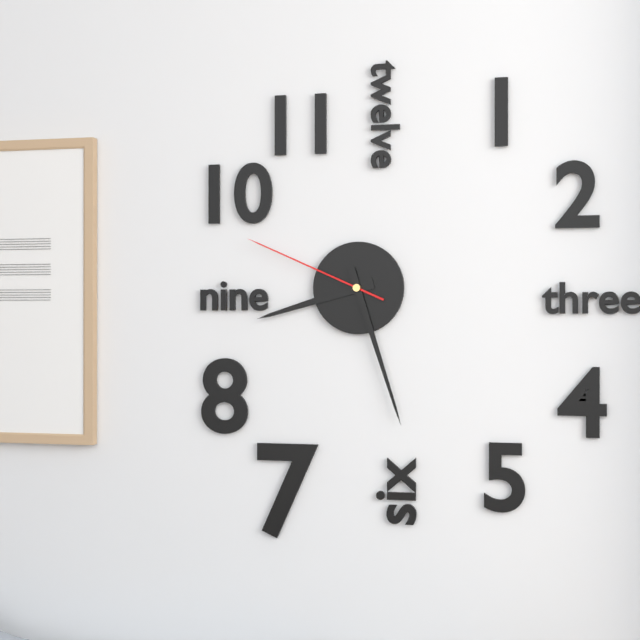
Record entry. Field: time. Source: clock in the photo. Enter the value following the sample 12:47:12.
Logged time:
8:27:49
